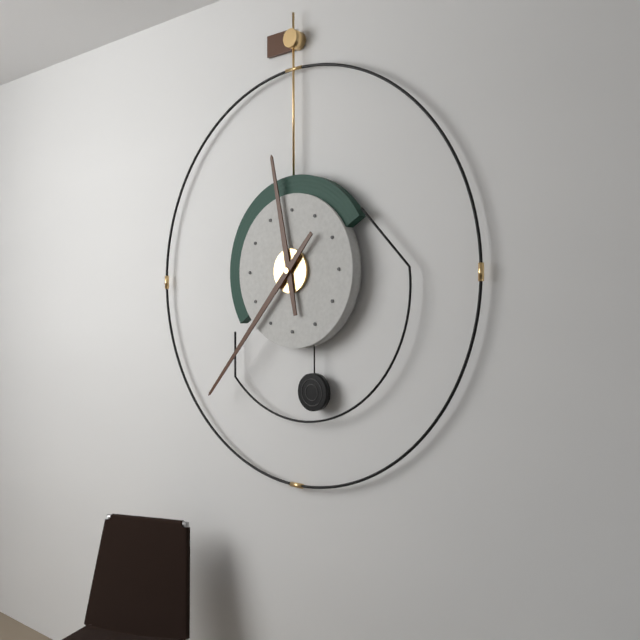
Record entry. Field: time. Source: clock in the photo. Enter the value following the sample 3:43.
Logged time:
11:37
